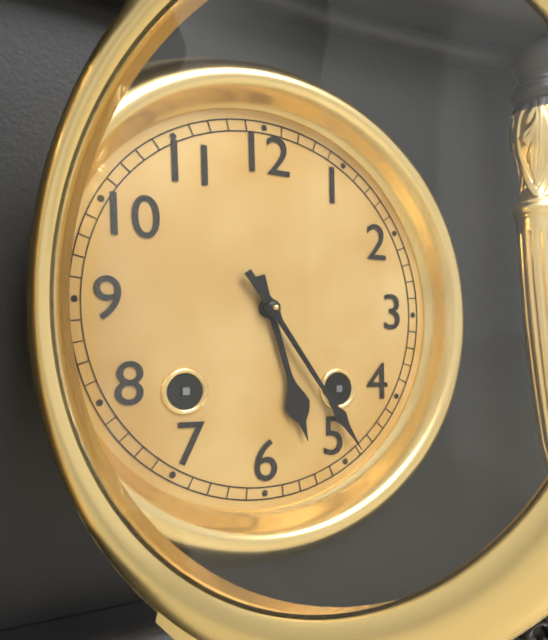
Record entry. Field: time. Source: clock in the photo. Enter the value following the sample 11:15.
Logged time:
5:24
